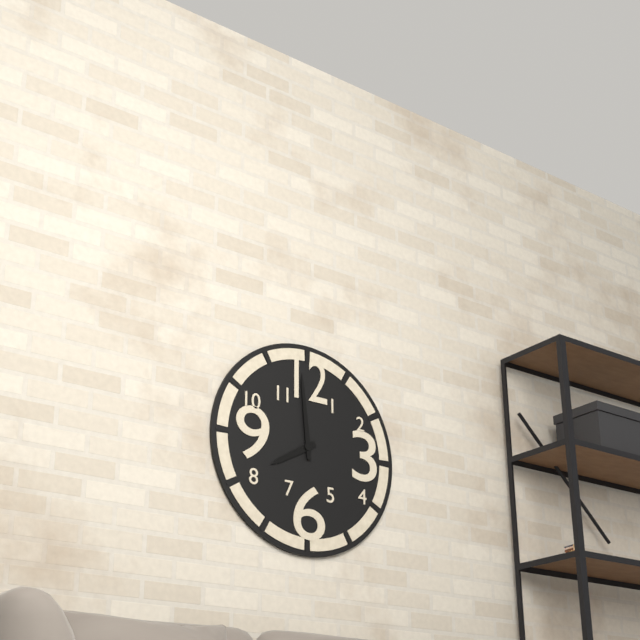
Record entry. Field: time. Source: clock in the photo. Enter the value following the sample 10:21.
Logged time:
7:59
